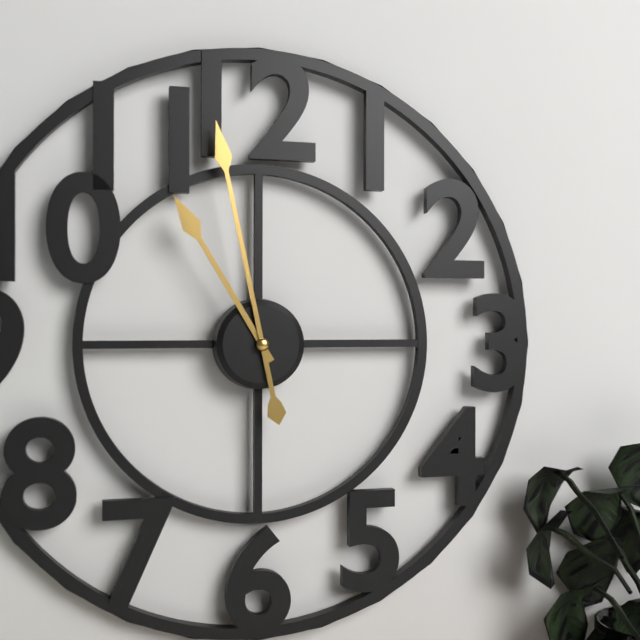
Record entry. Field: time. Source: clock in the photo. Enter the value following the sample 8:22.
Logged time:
10:58
